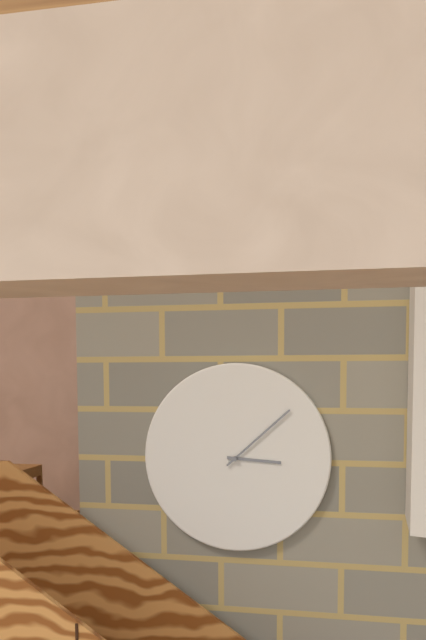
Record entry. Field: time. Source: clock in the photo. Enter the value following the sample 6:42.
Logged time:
3:08
